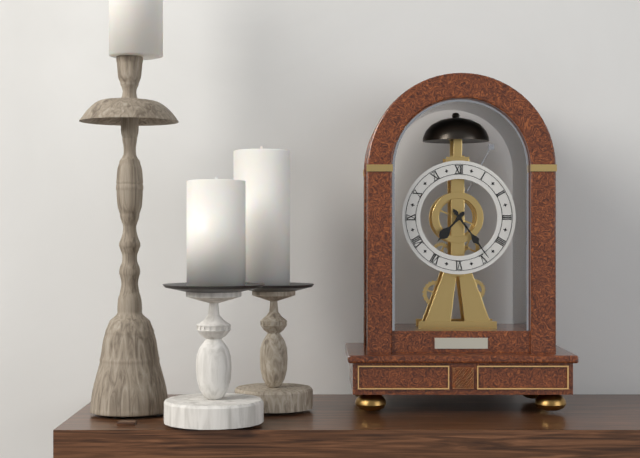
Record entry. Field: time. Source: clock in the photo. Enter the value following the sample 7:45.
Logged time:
7:24
